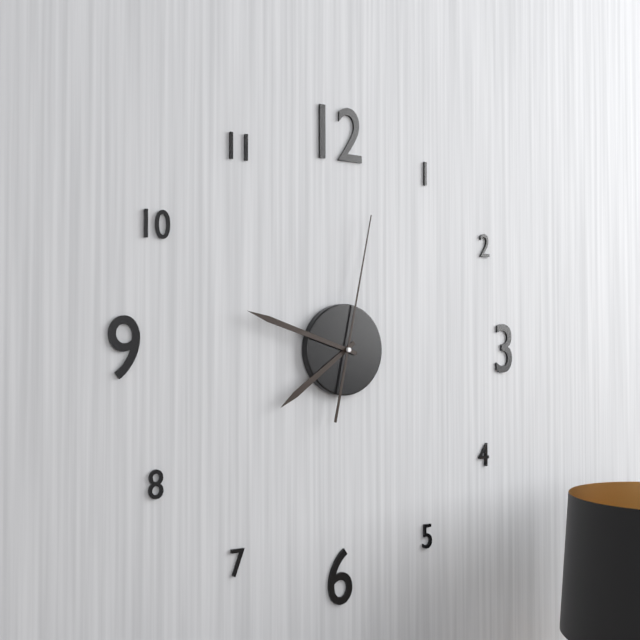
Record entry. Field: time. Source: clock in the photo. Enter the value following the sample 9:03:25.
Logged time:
7:48:02
